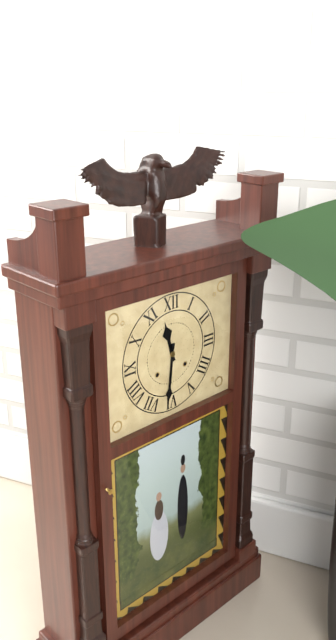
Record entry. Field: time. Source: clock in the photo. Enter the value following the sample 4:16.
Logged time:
11:31
